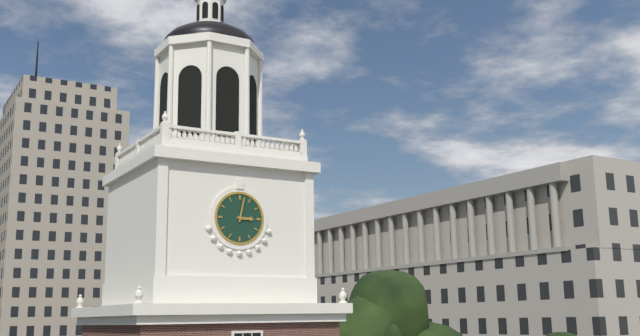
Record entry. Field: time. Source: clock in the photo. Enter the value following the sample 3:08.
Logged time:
3:02
